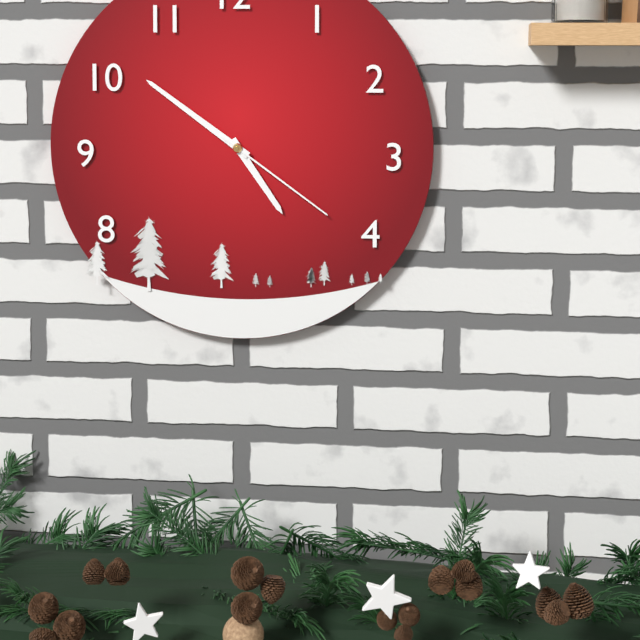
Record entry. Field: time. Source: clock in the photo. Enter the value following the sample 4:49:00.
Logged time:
4:51:21
